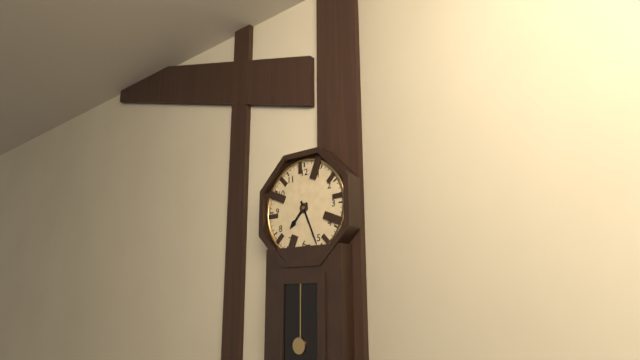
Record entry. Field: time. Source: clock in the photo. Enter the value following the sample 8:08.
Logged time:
7:26
